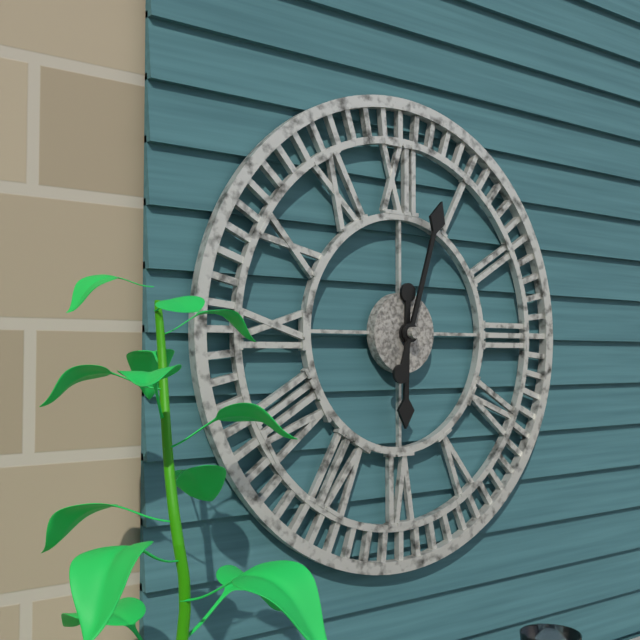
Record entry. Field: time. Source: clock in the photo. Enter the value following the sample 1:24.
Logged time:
6:03
